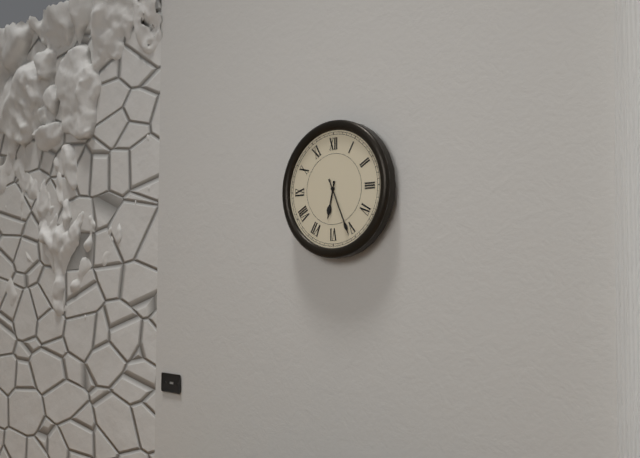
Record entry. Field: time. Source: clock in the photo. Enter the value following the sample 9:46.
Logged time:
6:26
